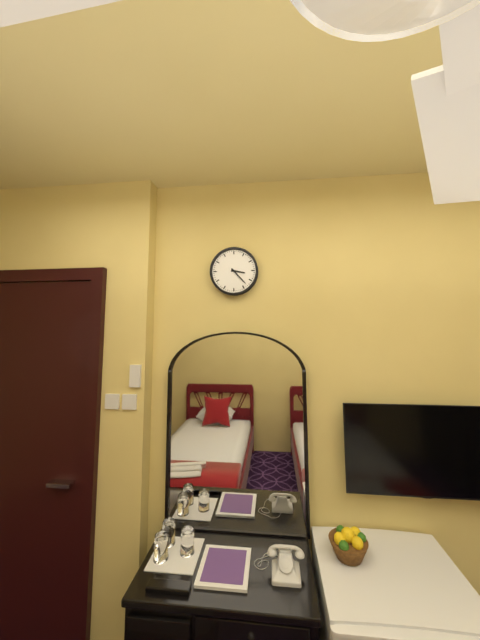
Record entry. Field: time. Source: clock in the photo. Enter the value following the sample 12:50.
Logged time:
3:23
